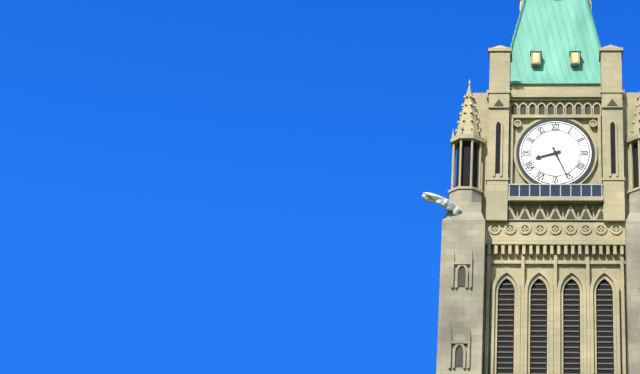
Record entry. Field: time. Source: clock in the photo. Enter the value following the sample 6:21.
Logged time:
8:26
